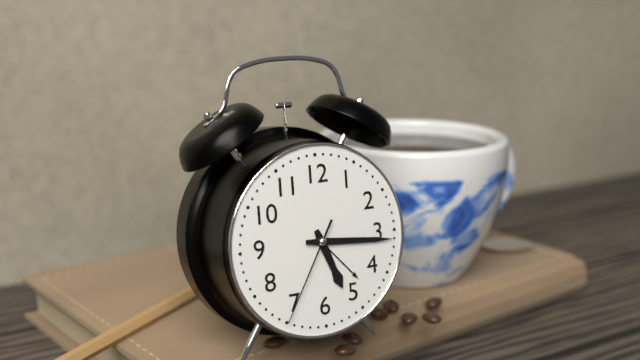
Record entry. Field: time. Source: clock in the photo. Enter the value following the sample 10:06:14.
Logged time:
5:16:35
